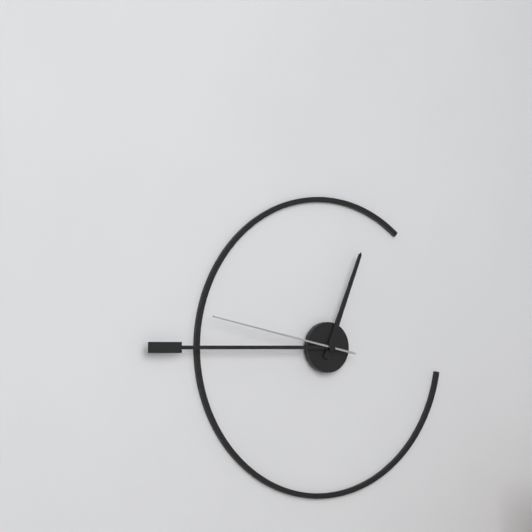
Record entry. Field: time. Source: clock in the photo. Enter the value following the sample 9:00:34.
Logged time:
12:45:47
